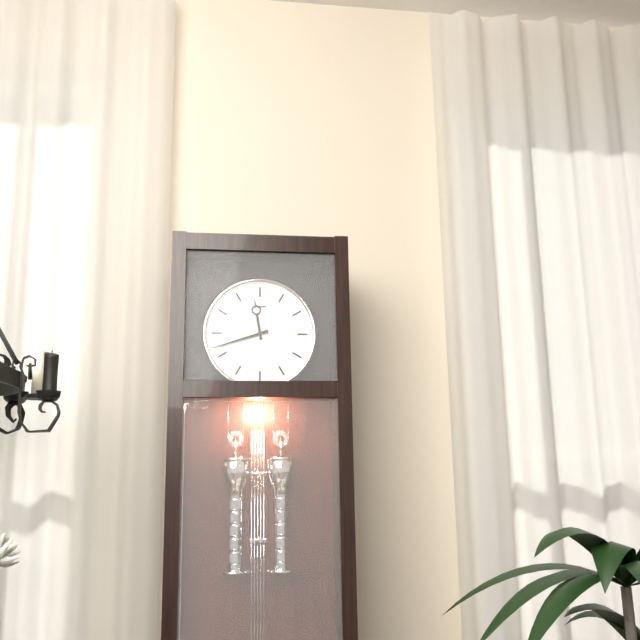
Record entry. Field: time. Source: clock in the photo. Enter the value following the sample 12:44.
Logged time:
11:42
